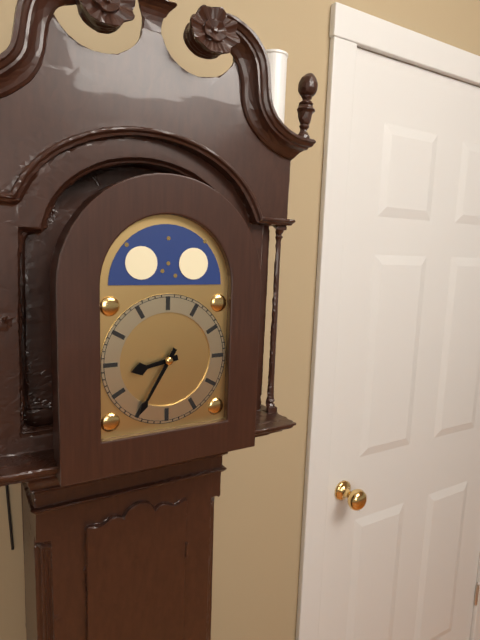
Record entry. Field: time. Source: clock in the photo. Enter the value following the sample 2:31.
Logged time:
8:35
